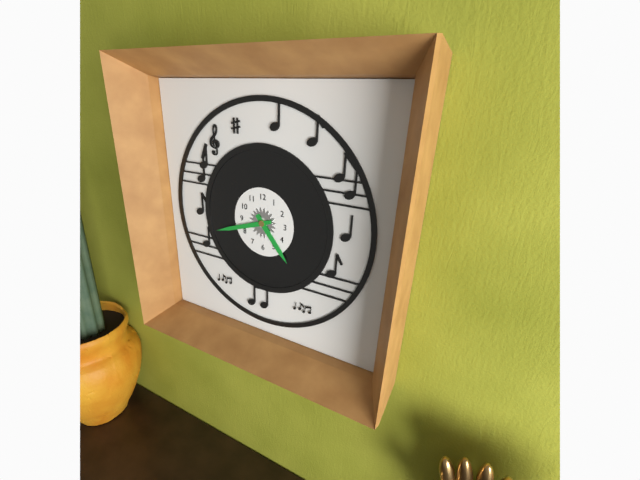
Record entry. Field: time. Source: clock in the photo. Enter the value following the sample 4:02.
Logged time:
4:42
